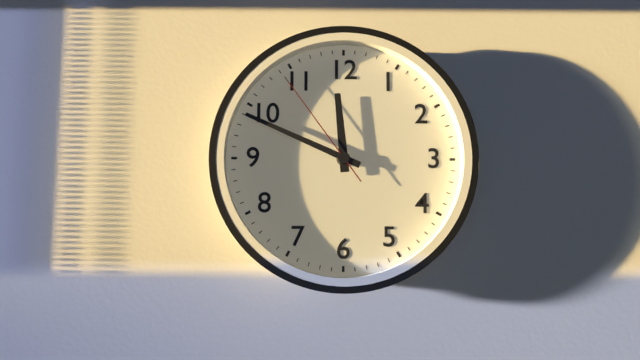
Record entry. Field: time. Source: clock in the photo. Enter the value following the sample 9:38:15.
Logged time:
11:49:54
